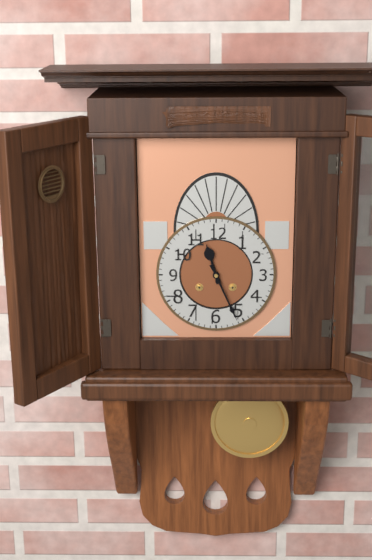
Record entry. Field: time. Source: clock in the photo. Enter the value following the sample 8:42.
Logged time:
11:26
